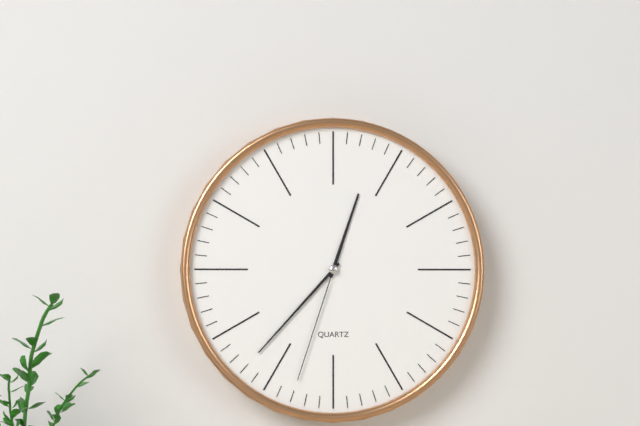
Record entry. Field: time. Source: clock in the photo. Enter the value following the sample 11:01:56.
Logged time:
12:37:33
